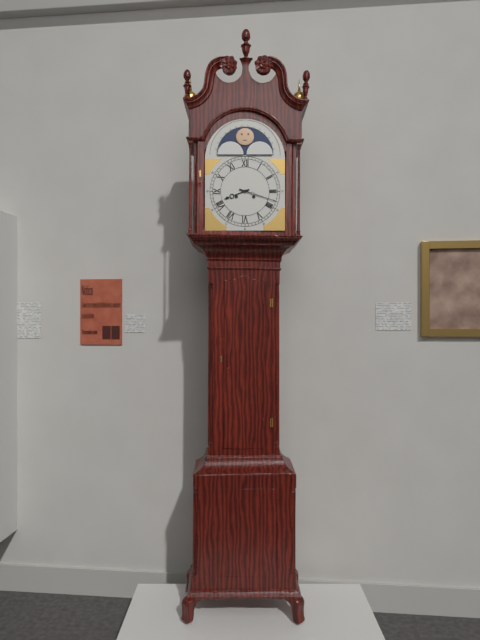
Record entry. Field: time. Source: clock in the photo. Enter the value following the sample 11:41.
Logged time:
8:18
